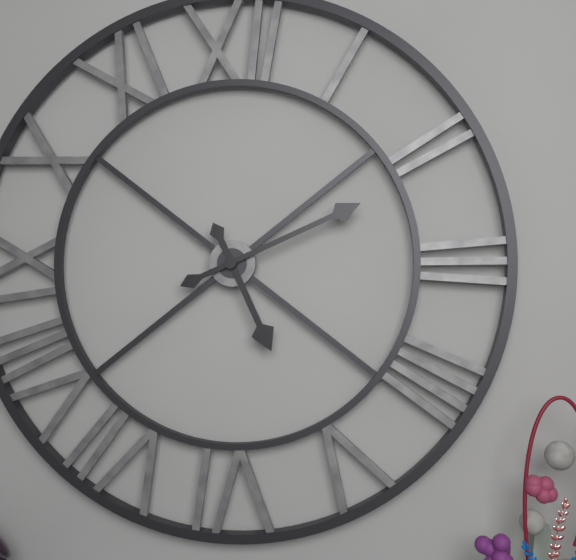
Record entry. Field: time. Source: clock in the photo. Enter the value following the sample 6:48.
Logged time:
5:11
